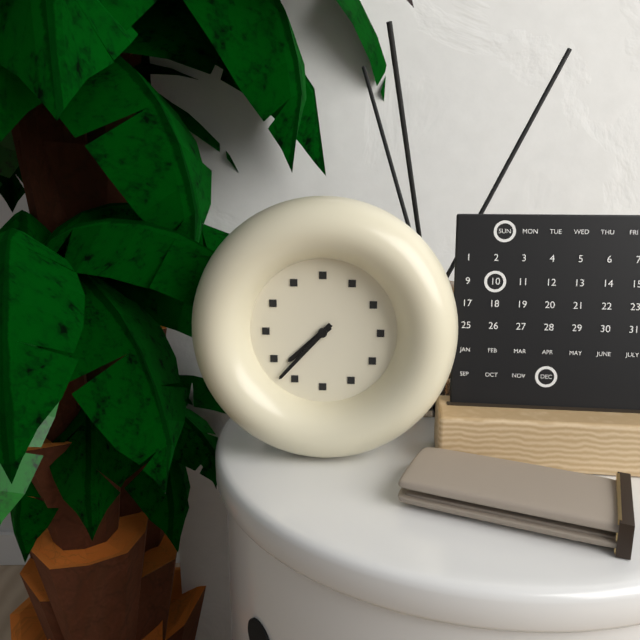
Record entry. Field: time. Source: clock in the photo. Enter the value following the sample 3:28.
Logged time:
7:37
